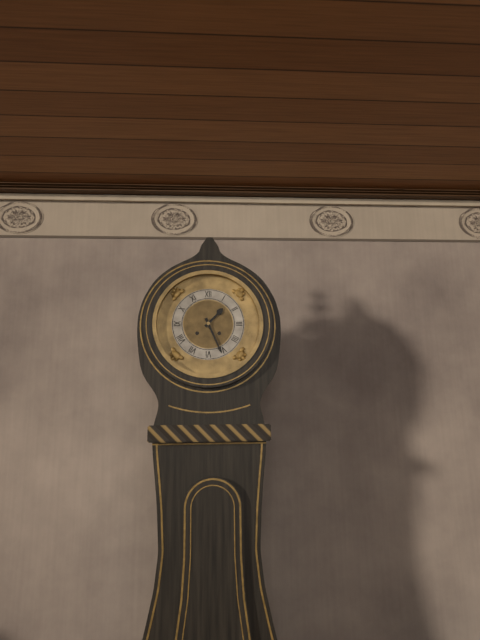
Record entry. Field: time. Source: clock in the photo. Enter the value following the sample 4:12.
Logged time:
1:26
